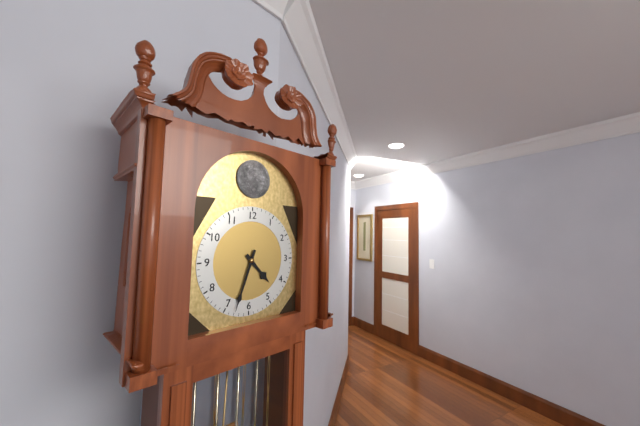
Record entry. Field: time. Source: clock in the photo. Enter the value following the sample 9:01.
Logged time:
4:33
